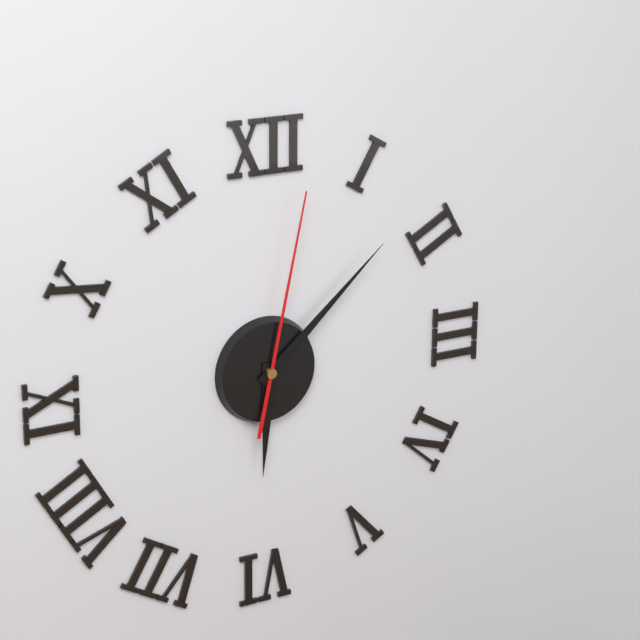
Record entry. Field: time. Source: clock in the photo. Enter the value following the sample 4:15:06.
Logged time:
6:08:02
